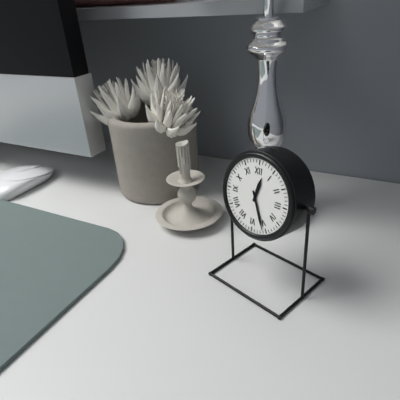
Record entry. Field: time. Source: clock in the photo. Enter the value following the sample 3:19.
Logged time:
12:26
